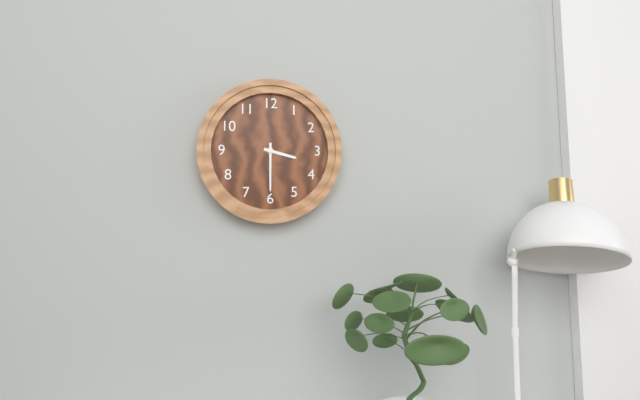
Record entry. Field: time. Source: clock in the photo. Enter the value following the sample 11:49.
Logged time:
3:30
